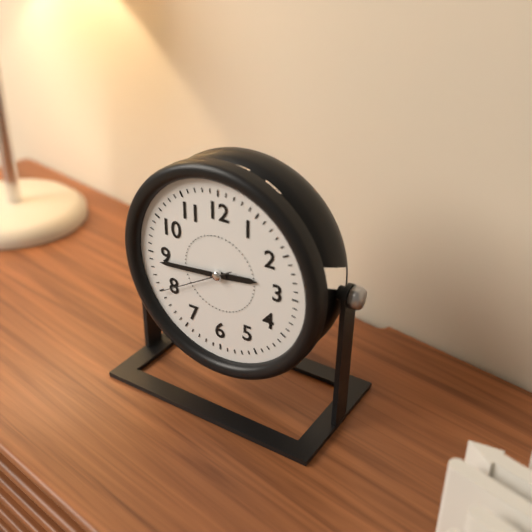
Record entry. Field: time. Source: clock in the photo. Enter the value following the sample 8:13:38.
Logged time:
2:44:40
